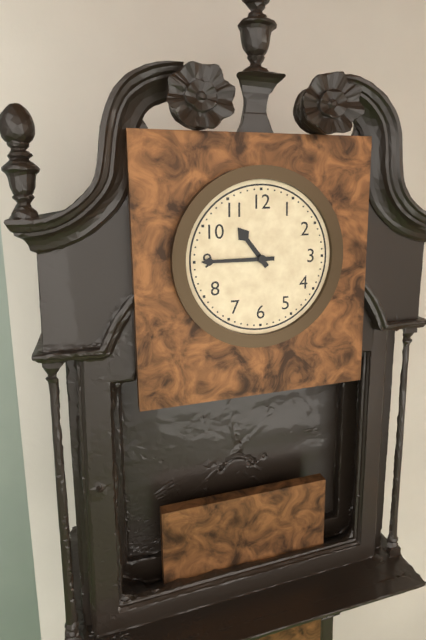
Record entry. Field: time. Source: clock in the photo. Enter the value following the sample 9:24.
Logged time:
10:45
